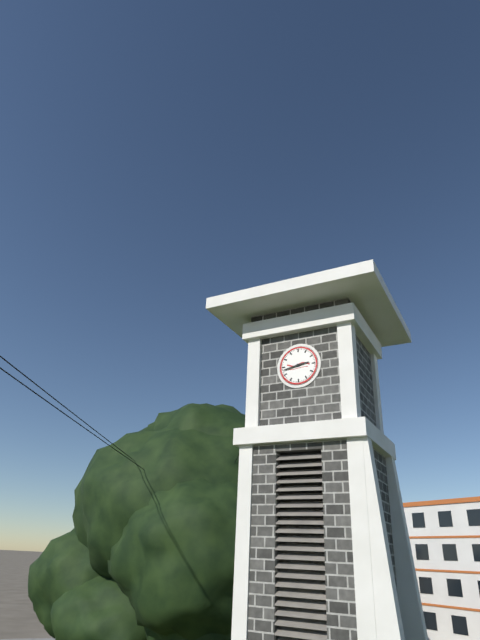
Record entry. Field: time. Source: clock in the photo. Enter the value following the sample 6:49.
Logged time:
2:43
